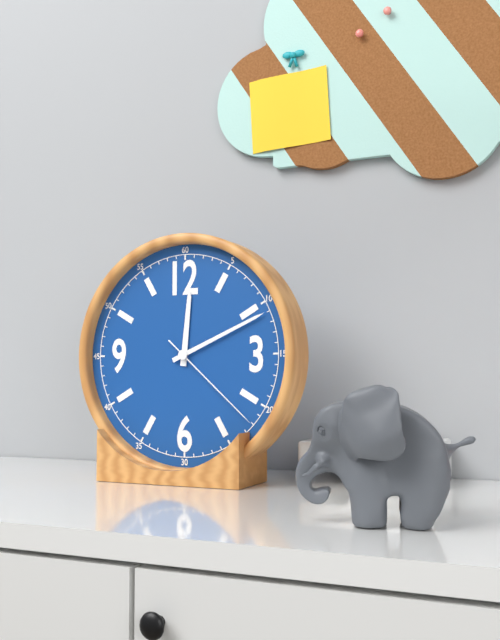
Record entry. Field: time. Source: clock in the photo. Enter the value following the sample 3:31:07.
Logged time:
12:11:22
